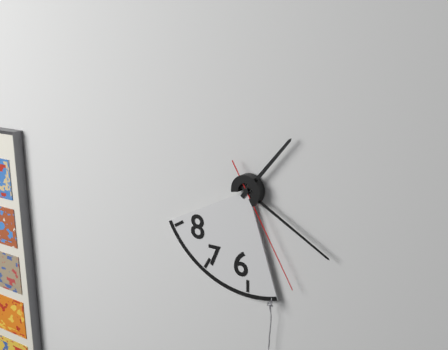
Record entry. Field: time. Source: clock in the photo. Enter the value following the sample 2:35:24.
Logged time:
1:20:25
